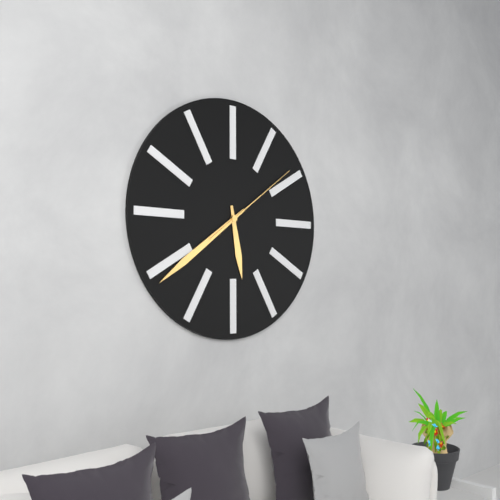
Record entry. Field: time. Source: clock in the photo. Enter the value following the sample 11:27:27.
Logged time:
5:39:09
